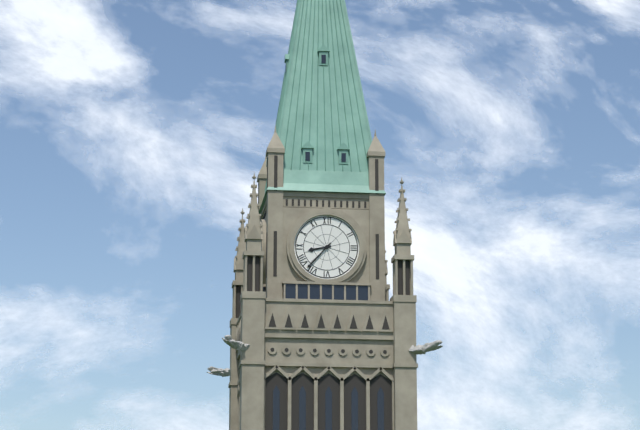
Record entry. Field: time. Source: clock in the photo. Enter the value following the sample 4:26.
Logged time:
8:37
